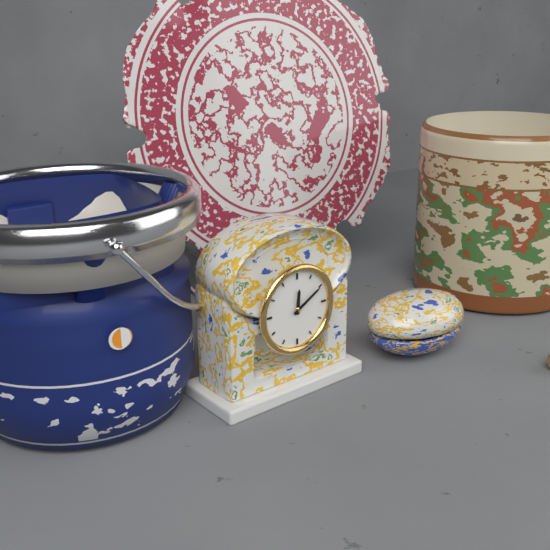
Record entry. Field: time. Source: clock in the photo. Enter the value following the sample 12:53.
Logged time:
12:10
